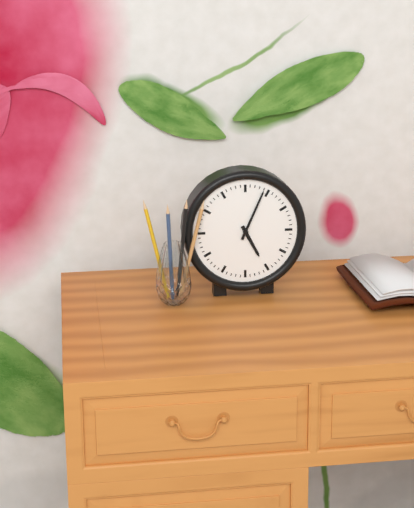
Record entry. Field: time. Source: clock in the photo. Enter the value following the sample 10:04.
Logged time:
5:04
